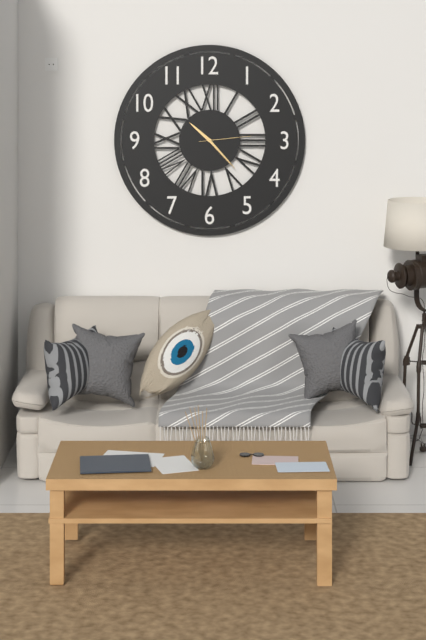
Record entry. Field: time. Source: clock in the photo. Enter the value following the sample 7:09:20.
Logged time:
10:23:14
